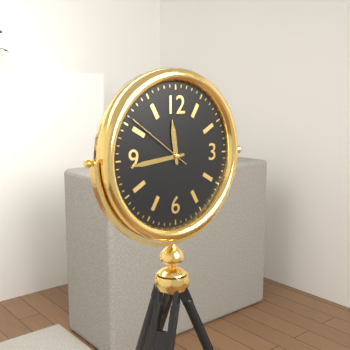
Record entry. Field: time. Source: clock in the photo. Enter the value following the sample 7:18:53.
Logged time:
11:44:51
